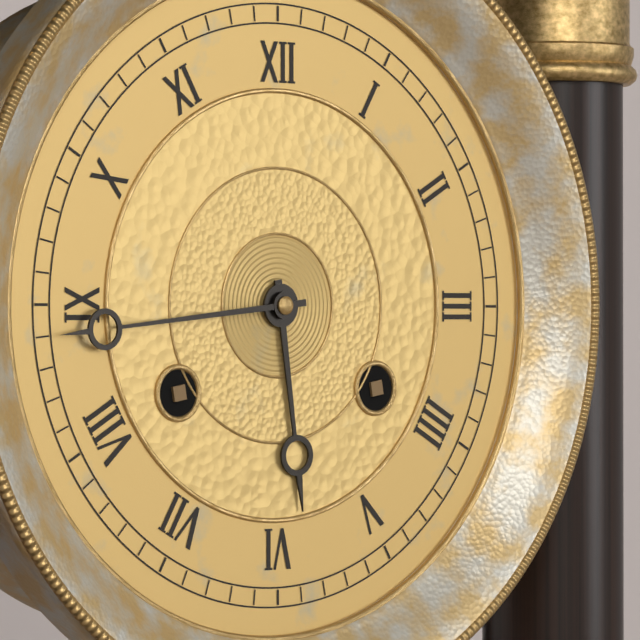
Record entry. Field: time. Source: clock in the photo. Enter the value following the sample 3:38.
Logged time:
5:44
